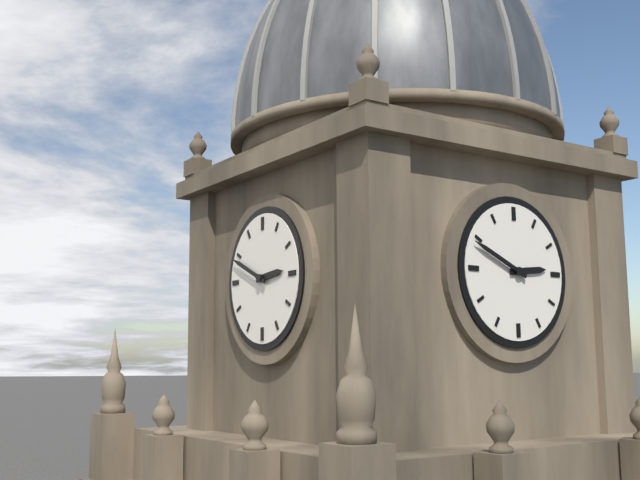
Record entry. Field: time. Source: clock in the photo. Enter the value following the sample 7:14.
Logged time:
2:49
